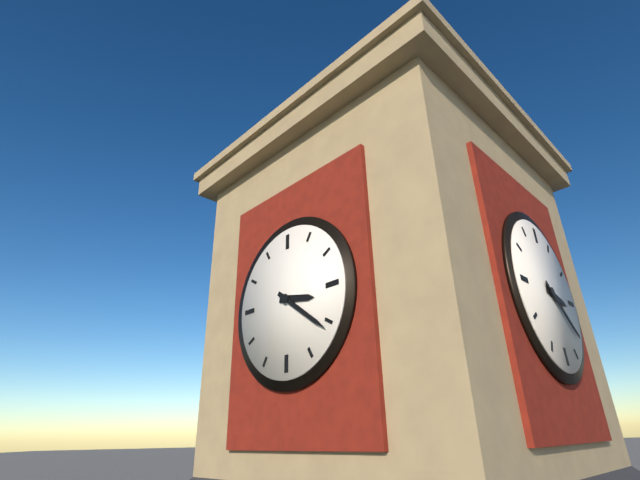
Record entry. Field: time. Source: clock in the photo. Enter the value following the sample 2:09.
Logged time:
3:21
